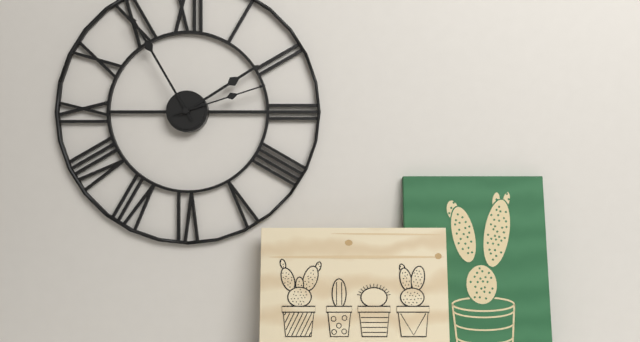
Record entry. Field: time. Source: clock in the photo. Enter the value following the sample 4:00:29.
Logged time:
1:55:12
